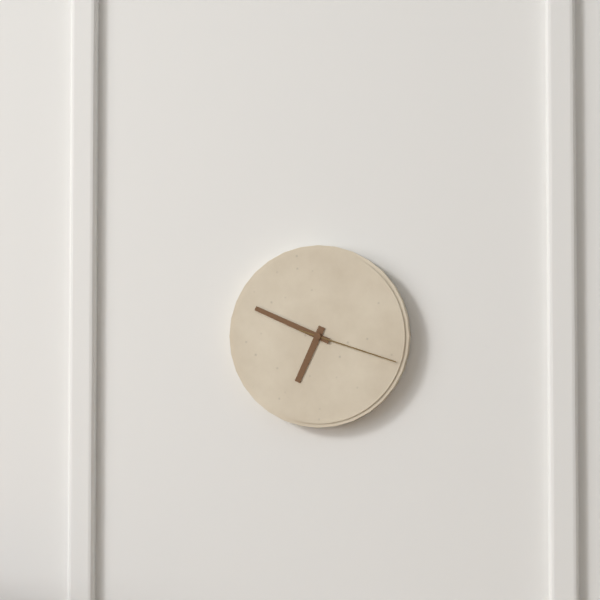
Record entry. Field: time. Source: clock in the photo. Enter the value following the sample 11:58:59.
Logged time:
6:49:18
